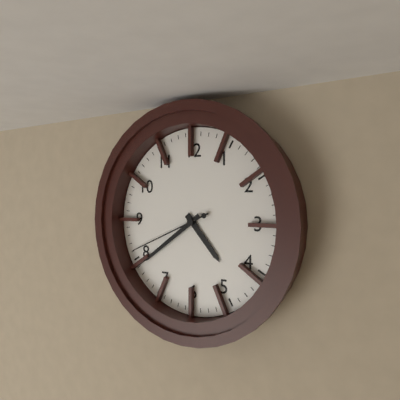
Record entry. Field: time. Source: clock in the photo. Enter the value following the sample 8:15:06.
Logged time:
4:39:41
